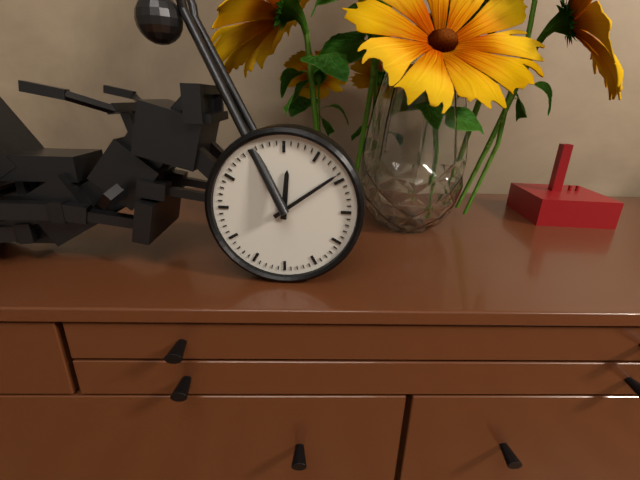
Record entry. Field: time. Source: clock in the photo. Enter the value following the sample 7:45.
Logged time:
12:09
